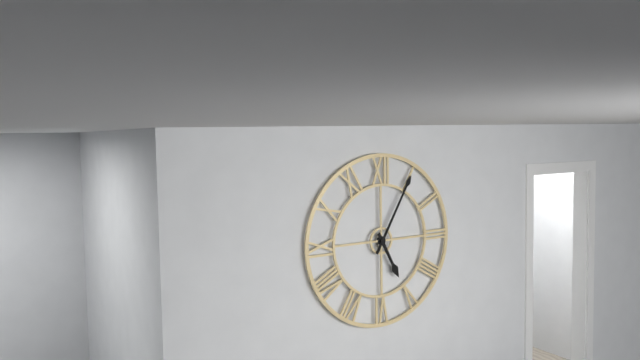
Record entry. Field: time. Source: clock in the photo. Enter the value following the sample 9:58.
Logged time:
5:05
